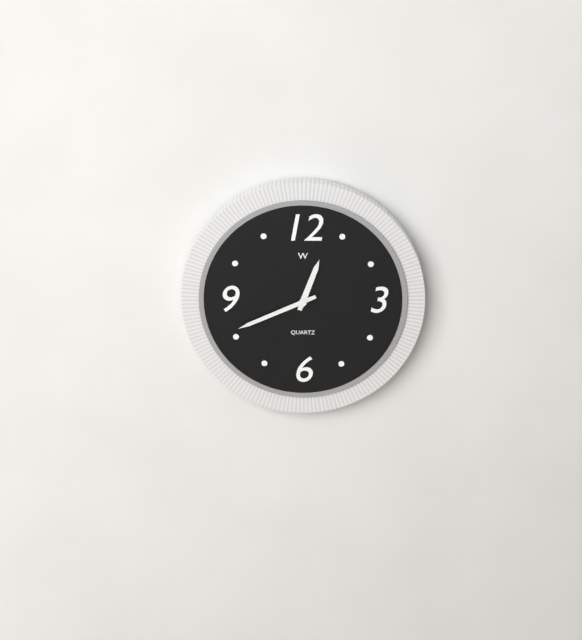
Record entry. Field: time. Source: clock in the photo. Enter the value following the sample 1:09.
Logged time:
12:41
